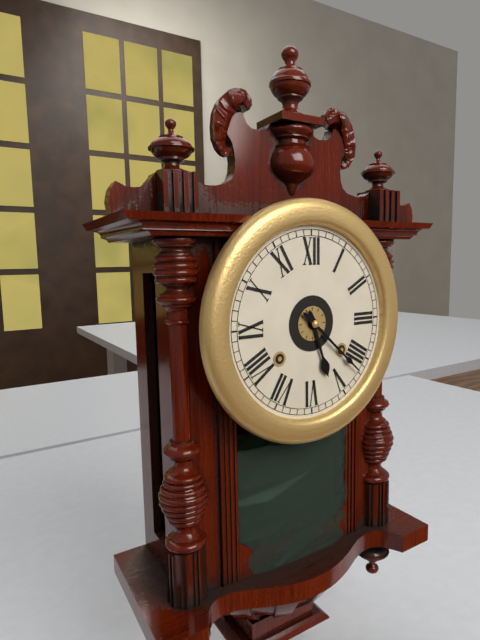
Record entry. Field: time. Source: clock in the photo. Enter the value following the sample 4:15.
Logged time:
5:22
